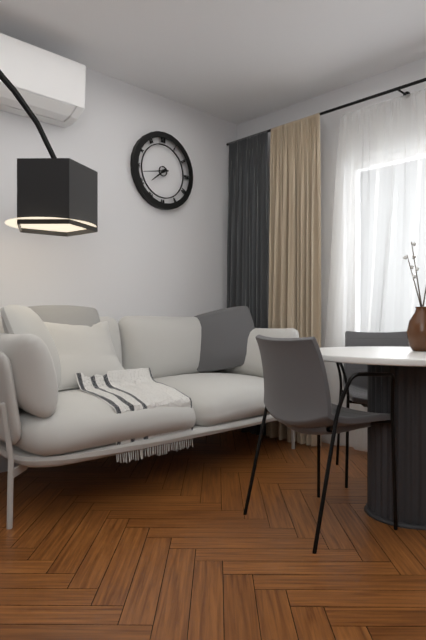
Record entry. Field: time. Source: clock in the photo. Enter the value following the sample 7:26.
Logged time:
7:43
